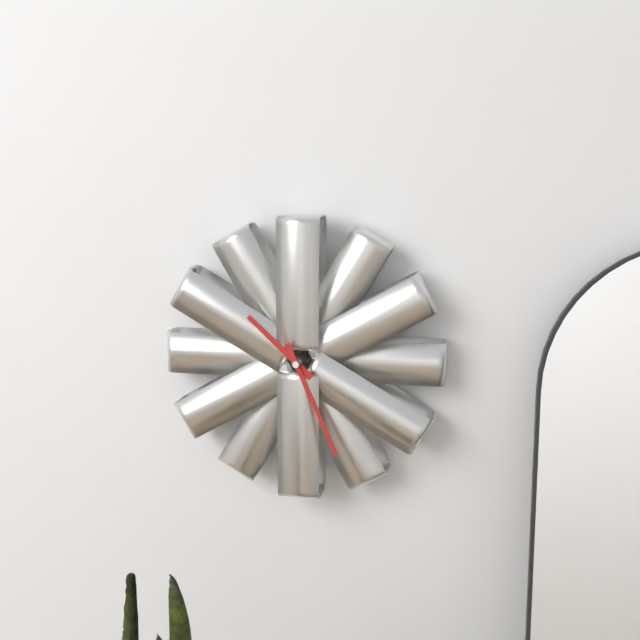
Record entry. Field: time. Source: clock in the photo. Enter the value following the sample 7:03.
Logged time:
10:26
